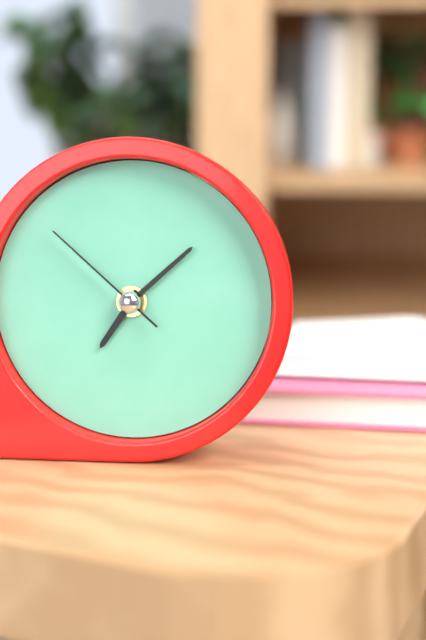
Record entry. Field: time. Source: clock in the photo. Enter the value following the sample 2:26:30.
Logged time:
7:08:52
